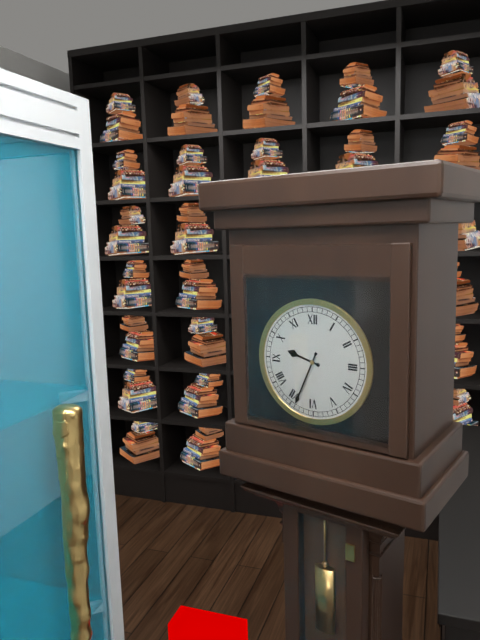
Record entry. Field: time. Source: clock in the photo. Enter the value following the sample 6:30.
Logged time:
9:34
